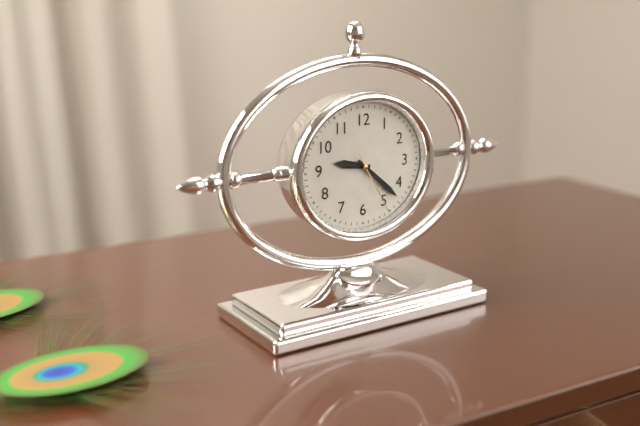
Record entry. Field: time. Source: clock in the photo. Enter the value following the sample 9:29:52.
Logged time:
9:22:25
